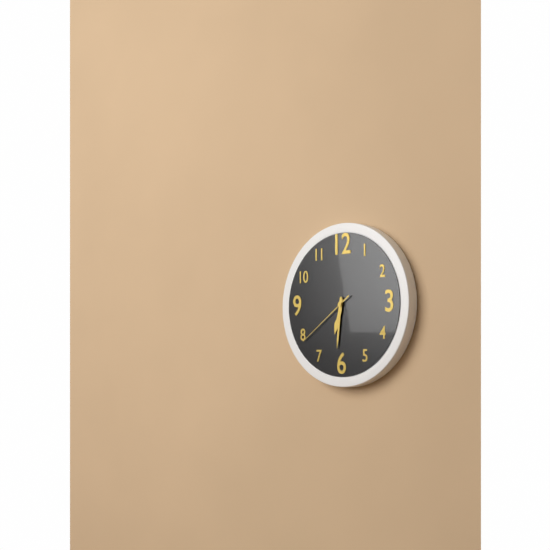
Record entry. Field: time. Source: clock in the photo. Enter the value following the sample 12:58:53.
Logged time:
6:31:39
